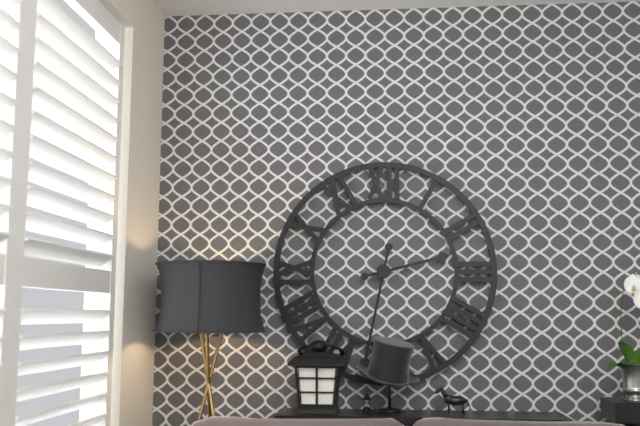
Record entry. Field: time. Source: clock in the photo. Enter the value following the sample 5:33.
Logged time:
2:32
